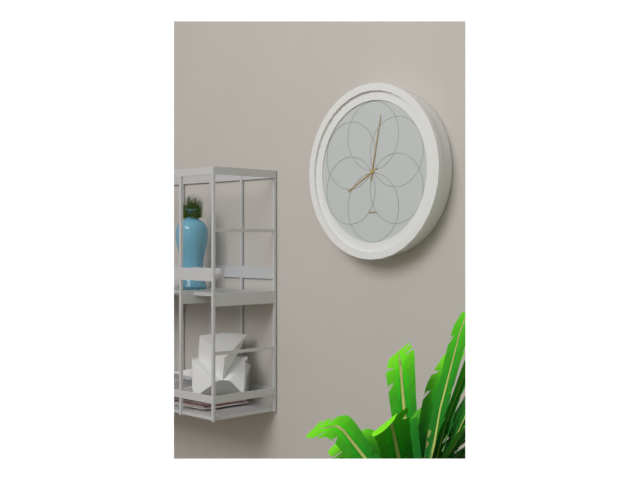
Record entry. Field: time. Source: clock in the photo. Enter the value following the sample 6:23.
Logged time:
8:02
